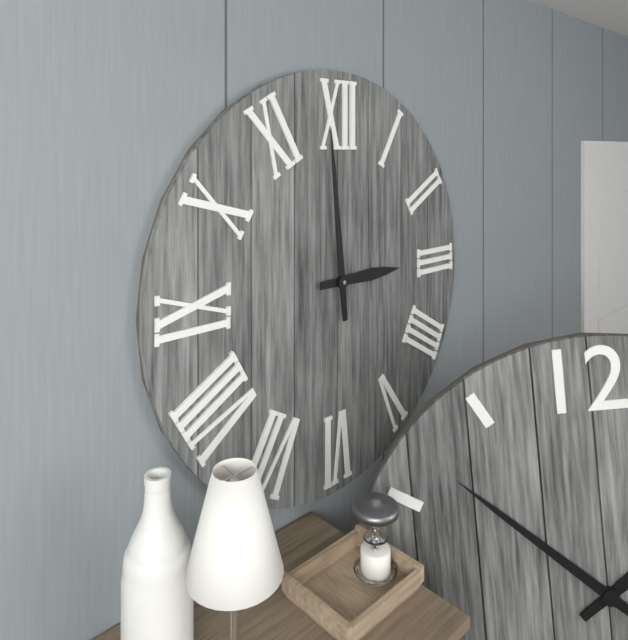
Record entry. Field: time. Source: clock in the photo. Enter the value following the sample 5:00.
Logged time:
2:59
